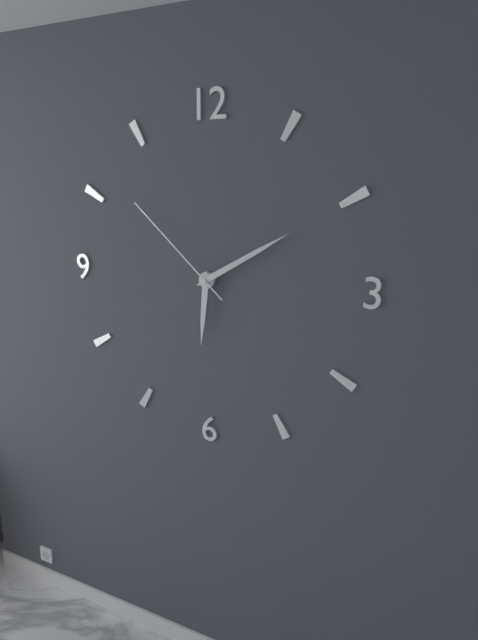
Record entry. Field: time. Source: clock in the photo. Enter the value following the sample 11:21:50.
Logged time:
6:10:52
